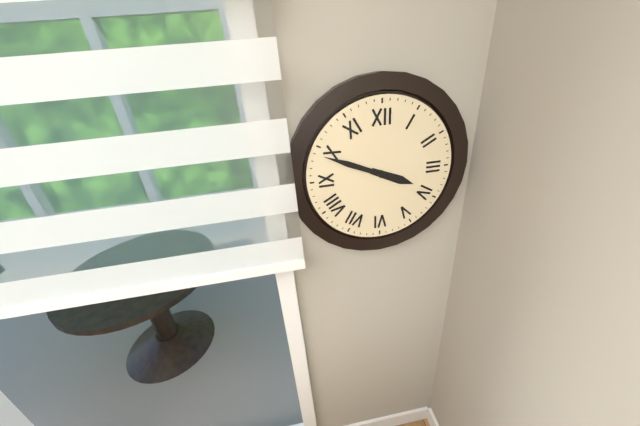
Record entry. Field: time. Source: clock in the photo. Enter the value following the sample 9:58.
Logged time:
3:49
